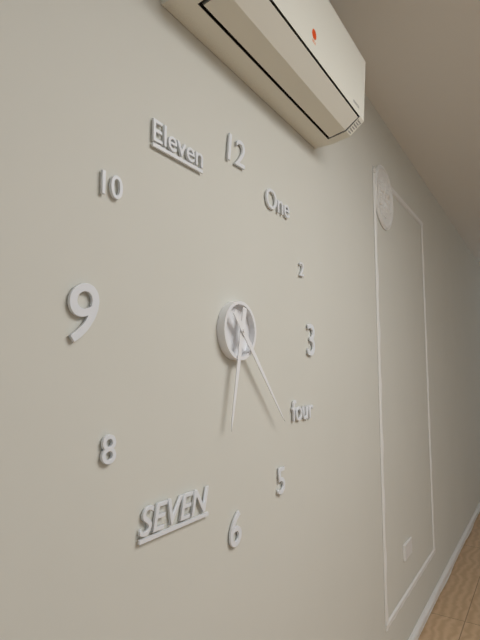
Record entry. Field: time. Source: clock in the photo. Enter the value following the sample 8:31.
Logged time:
6:23
